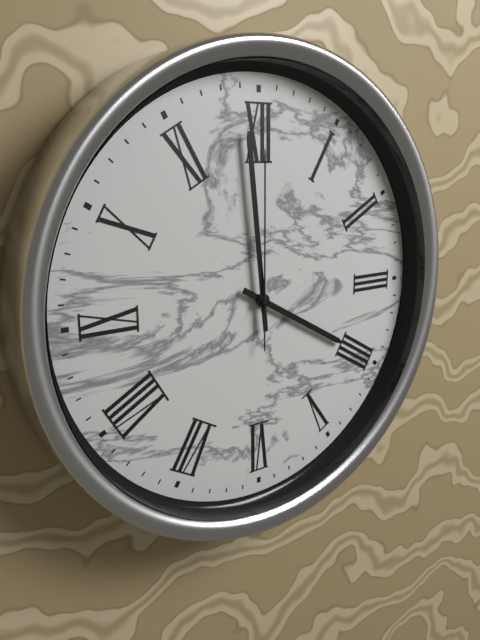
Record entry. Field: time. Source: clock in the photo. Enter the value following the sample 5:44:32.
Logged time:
3:59:00
